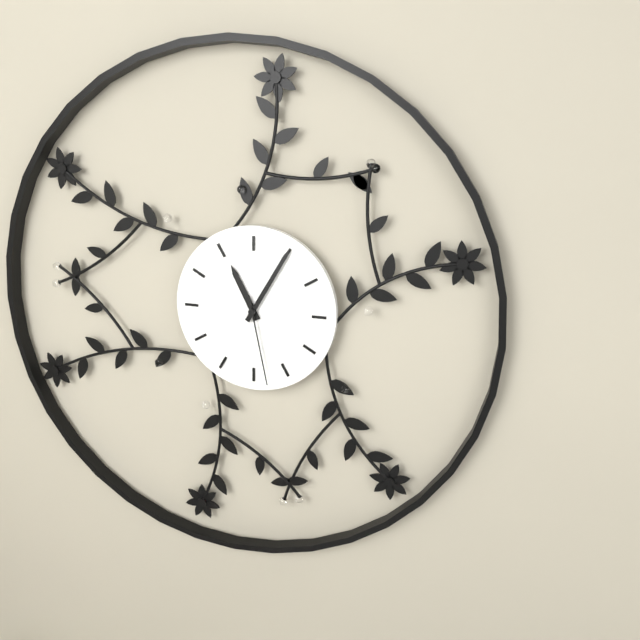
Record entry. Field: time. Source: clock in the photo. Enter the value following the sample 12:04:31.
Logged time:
11:05:28
